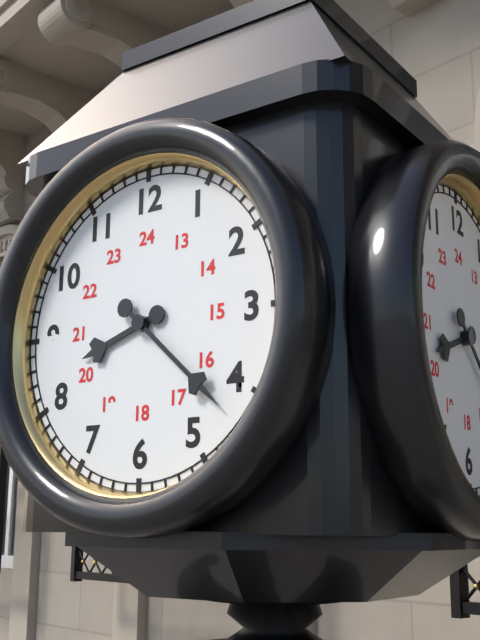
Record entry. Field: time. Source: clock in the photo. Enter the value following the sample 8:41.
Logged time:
8:22
